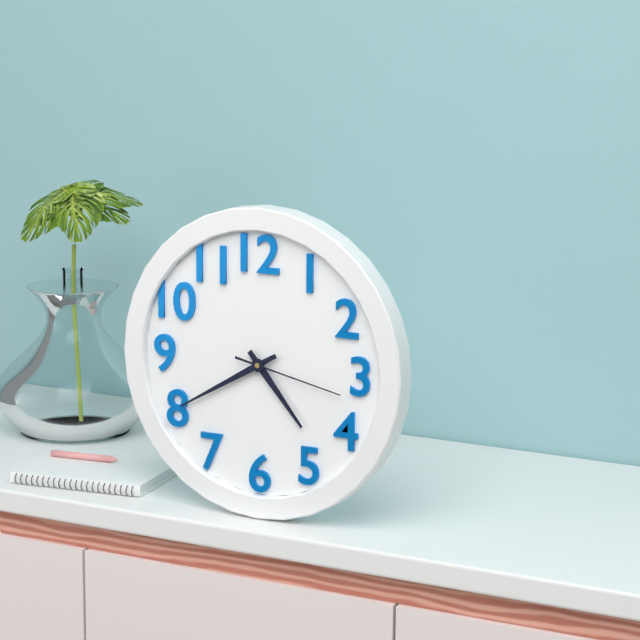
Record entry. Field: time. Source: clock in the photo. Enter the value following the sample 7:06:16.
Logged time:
4:40:17
